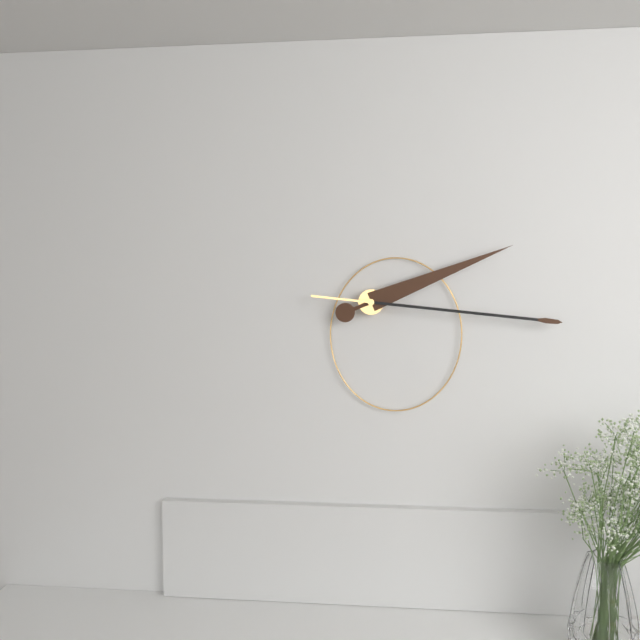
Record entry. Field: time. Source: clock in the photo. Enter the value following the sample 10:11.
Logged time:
2:16
